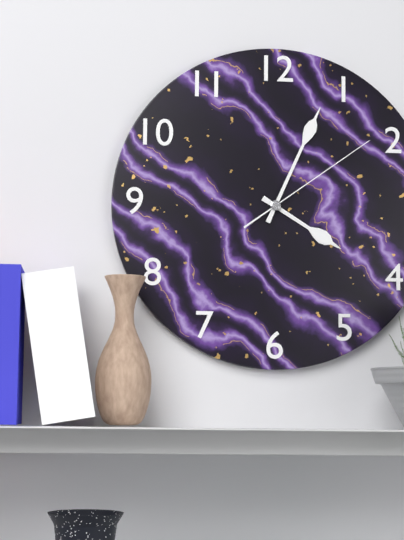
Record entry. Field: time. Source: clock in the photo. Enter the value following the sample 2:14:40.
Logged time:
4:04:09
